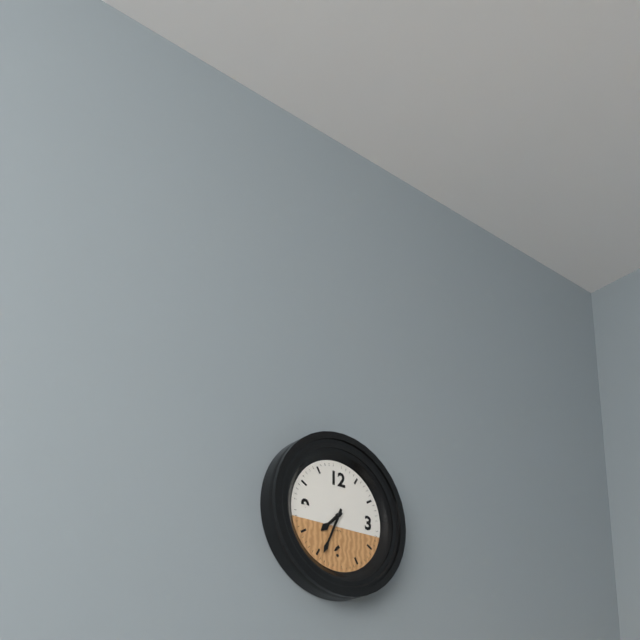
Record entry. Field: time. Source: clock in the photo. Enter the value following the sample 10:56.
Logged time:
7:34
